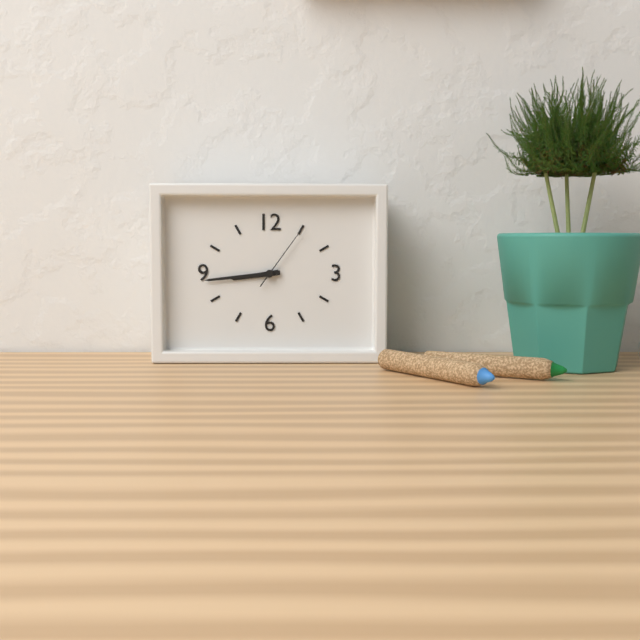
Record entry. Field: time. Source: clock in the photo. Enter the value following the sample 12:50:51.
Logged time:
8:44:06
